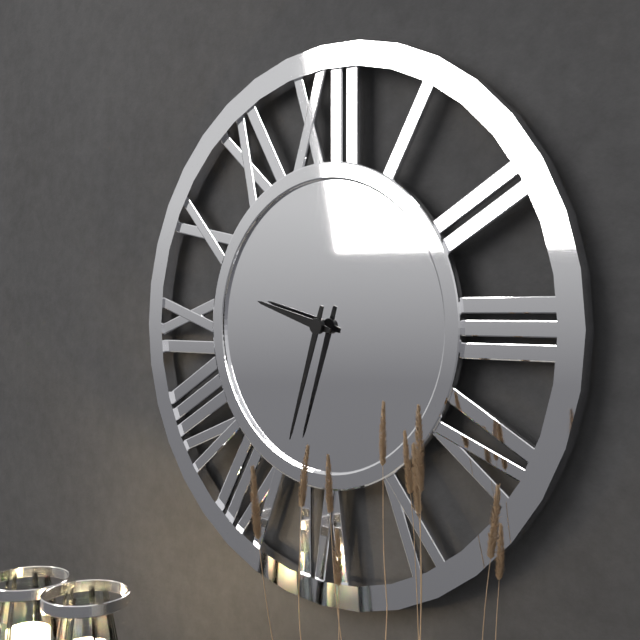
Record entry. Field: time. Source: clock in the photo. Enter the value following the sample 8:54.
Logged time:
9:33
